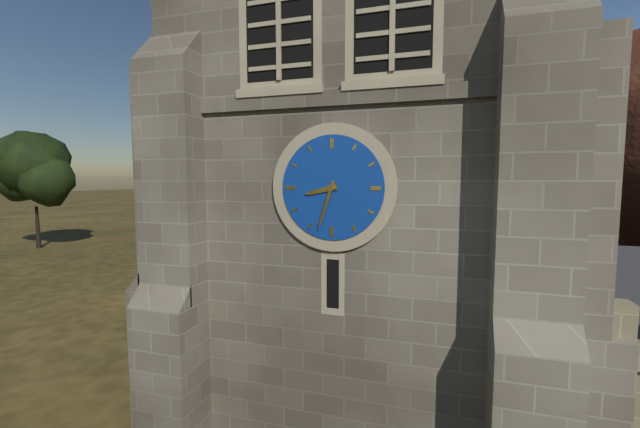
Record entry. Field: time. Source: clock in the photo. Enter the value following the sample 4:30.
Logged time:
8:33
